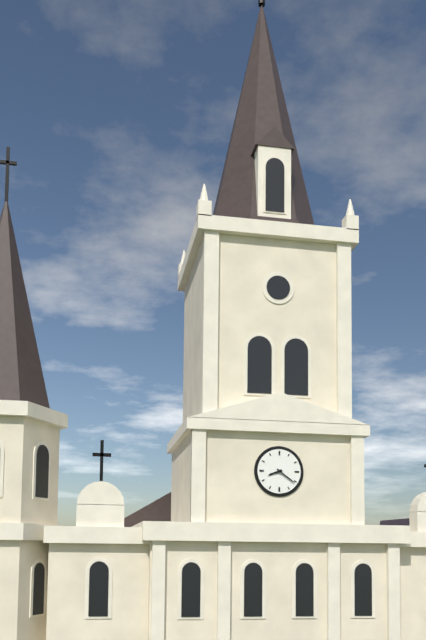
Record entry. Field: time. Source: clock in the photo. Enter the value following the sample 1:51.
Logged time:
8:21
